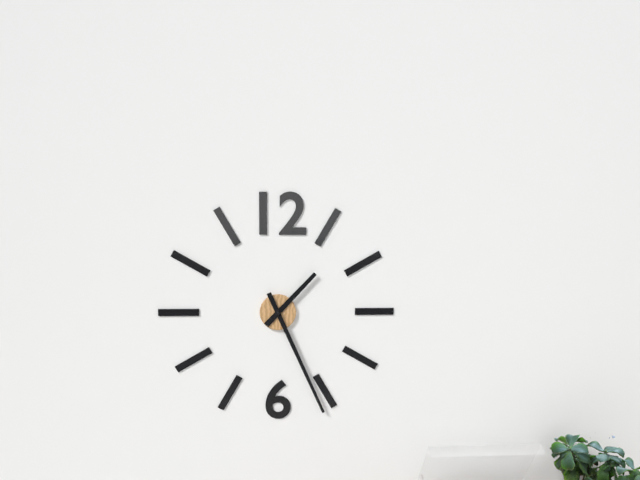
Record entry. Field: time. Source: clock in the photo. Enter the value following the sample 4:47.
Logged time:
1:26
